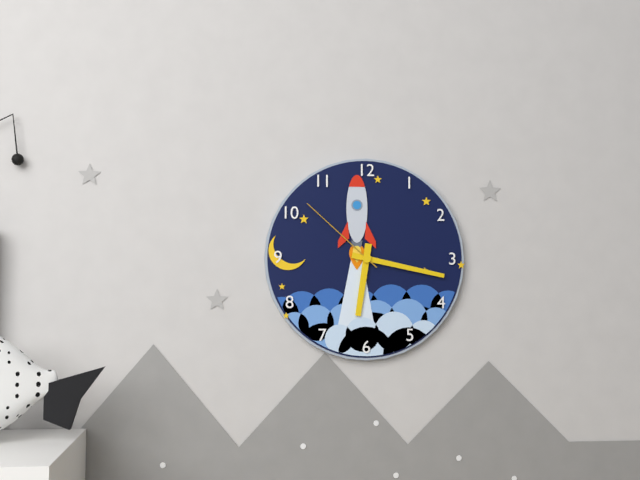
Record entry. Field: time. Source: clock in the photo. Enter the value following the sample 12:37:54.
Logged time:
6:17:52
